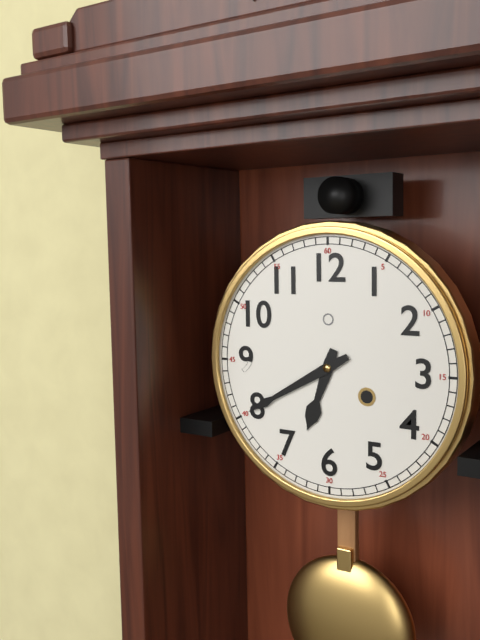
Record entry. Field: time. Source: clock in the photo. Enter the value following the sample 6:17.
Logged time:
6:40
